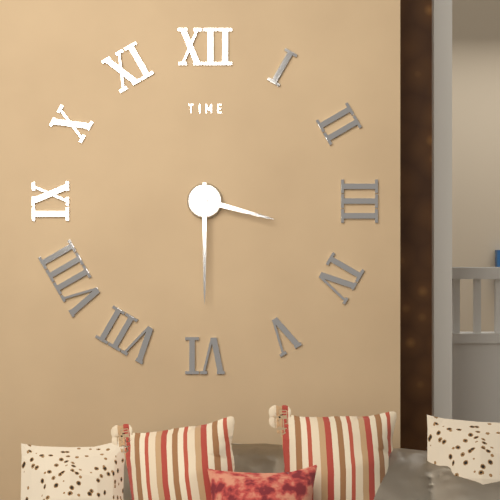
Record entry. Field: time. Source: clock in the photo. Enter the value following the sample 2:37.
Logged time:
3:30
